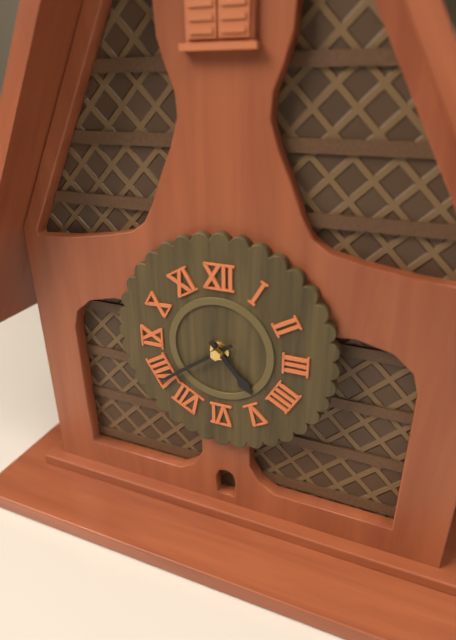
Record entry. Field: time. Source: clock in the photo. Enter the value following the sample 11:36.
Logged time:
4:39
